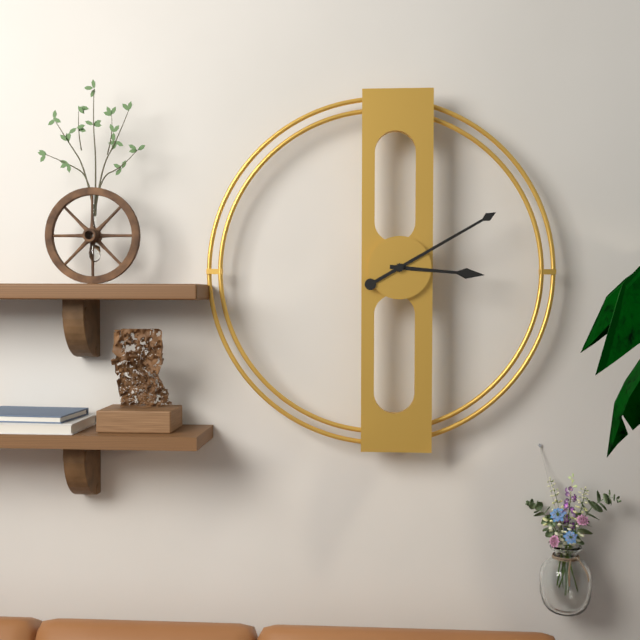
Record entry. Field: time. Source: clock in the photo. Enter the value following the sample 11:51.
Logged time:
3:10
